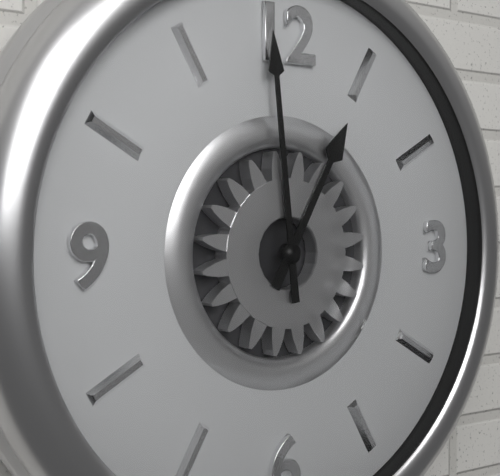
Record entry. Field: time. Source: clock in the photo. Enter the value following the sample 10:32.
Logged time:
12:59
